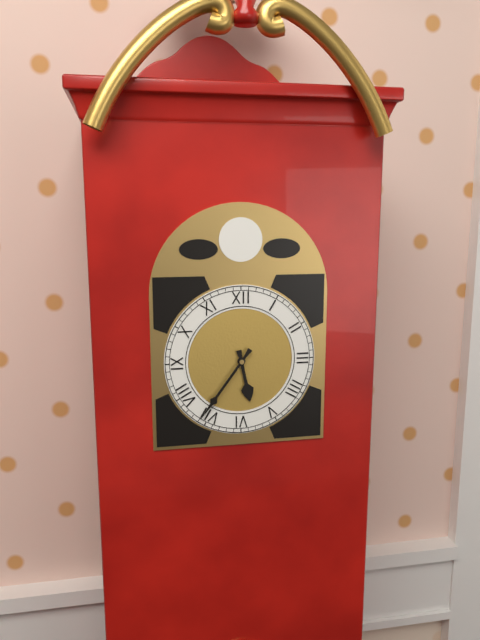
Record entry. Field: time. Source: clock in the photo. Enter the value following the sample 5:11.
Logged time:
5:36
